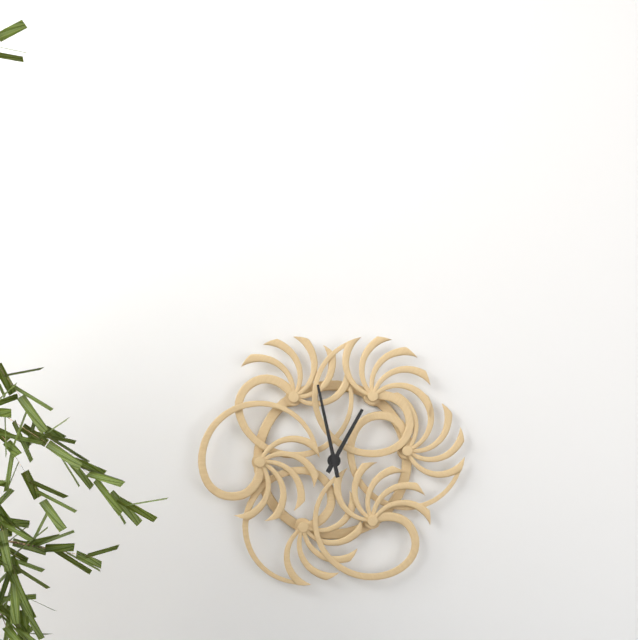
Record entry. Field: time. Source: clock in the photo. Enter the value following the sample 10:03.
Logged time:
12:58
